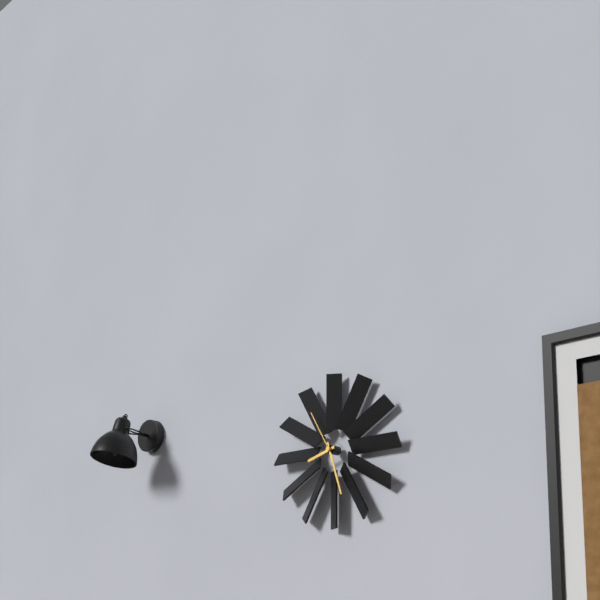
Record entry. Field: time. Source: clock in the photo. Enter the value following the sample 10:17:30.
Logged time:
8:27:55
